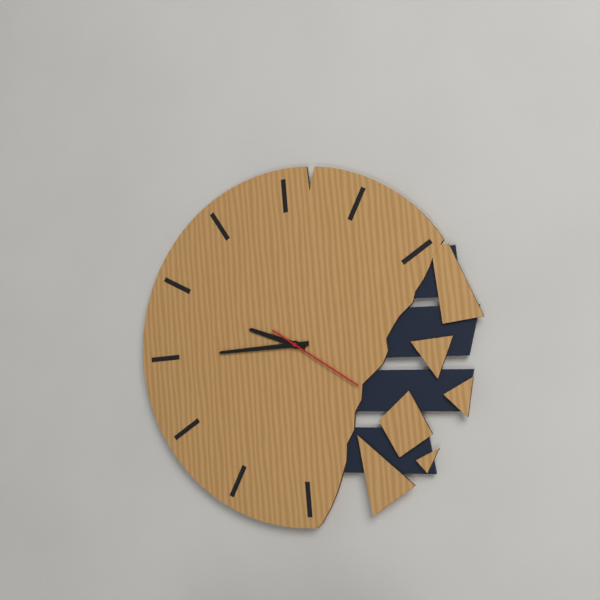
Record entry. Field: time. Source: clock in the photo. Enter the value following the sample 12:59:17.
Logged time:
9:45:21
